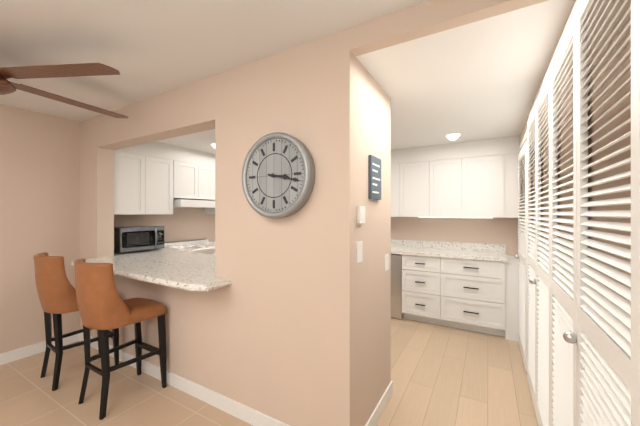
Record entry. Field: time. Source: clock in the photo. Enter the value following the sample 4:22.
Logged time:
3:17
